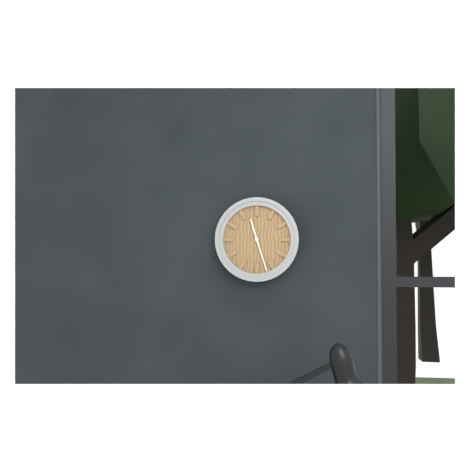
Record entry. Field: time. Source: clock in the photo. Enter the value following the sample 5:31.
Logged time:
11:27
